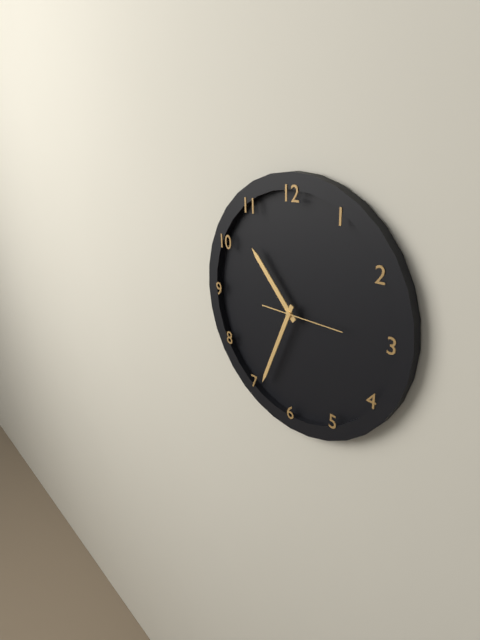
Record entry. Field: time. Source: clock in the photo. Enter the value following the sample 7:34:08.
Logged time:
10:34:15
